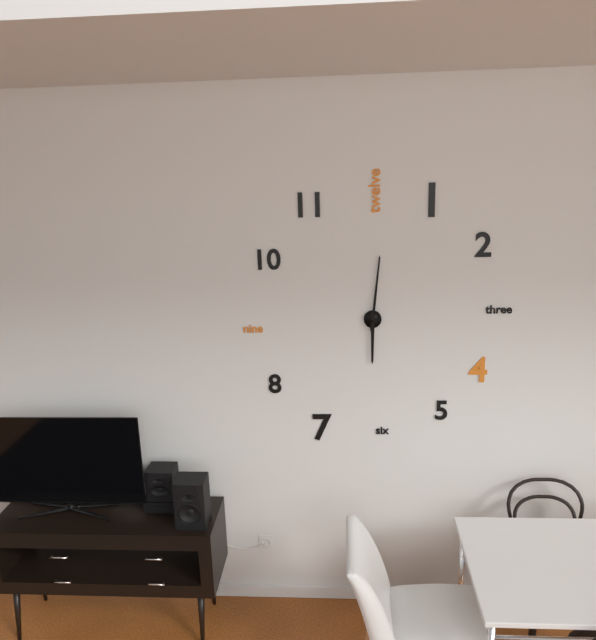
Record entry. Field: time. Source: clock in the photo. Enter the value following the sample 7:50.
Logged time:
6:01
